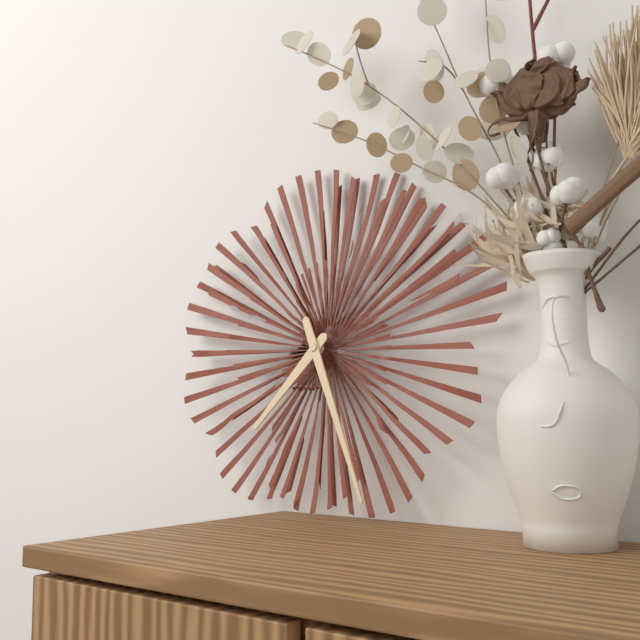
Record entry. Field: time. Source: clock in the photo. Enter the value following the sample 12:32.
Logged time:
7:26
